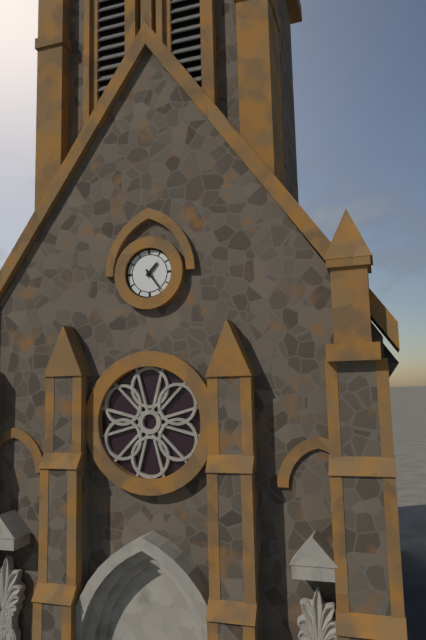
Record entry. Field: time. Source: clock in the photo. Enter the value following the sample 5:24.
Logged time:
1:24
